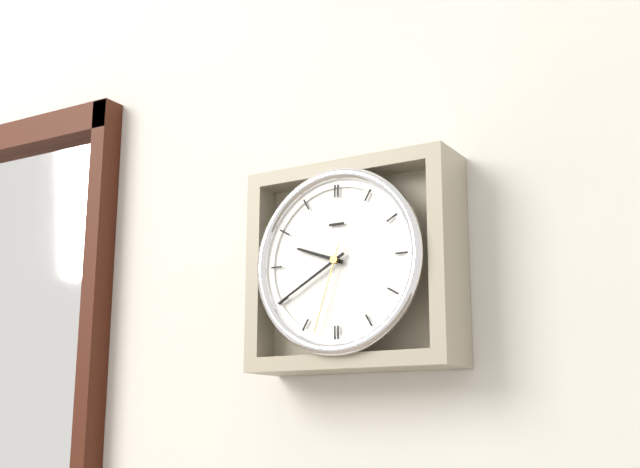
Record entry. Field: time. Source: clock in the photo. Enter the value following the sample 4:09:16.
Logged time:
9:40:33
